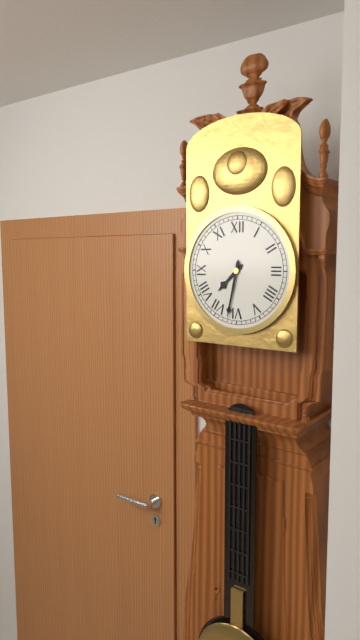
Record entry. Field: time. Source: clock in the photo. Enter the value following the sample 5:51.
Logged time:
7:32
